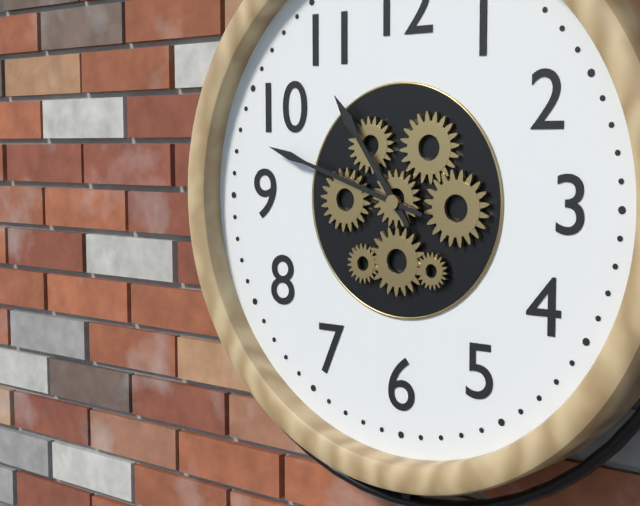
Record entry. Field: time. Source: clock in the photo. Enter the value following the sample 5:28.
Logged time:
10:48
